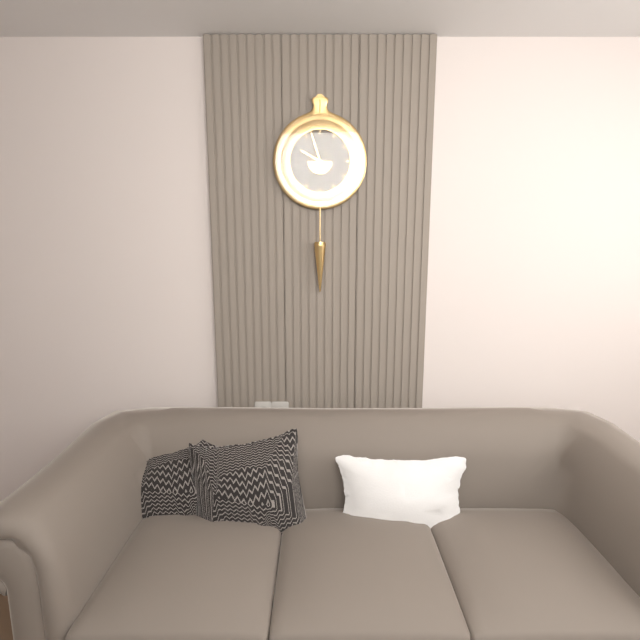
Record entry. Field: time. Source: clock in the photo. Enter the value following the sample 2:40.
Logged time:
9:57
